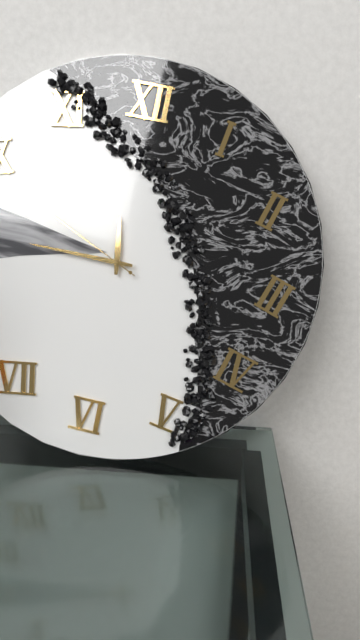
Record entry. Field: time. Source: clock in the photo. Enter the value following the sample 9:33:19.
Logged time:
11:45:49
